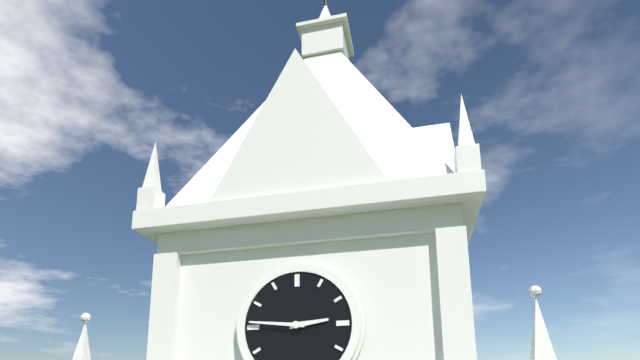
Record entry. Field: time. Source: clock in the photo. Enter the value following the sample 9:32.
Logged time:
2:46
